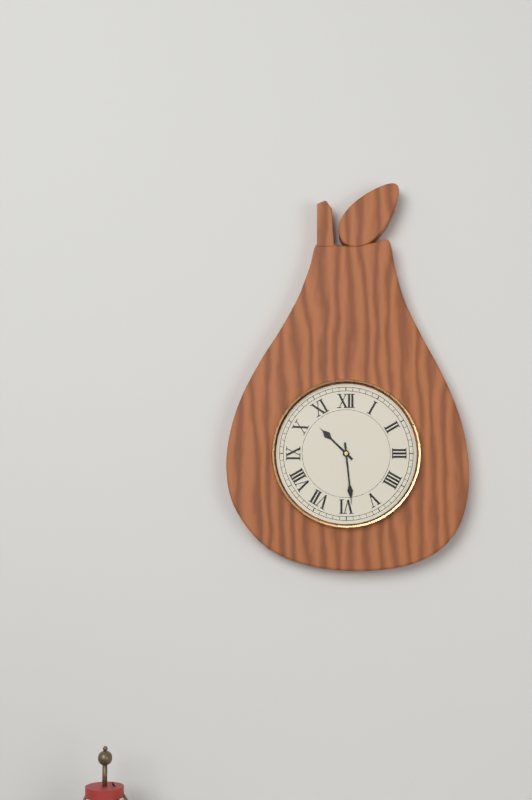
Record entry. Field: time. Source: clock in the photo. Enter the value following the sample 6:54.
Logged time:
10:29
